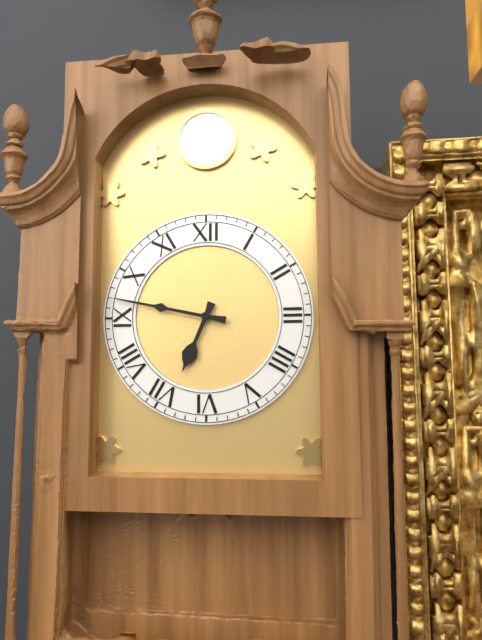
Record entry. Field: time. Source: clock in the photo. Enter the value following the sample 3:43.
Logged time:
6:47
